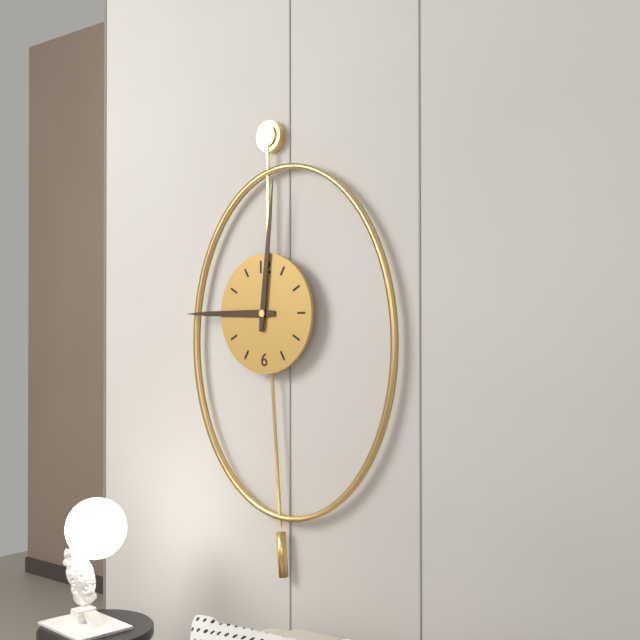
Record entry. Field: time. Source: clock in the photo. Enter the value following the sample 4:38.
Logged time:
9:01
